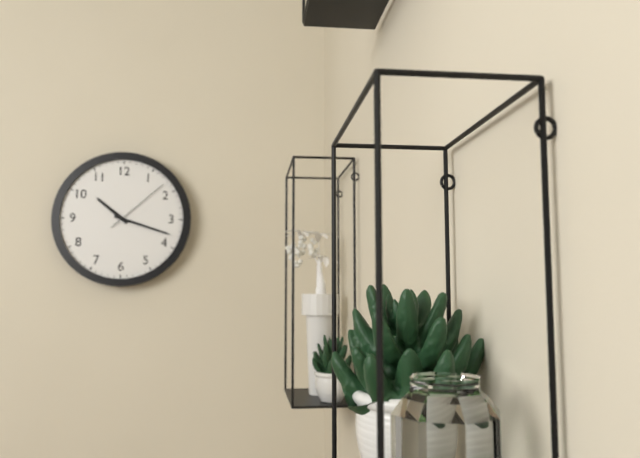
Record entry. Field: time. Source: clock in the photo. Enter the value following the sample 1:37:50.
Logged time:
10:18:08
